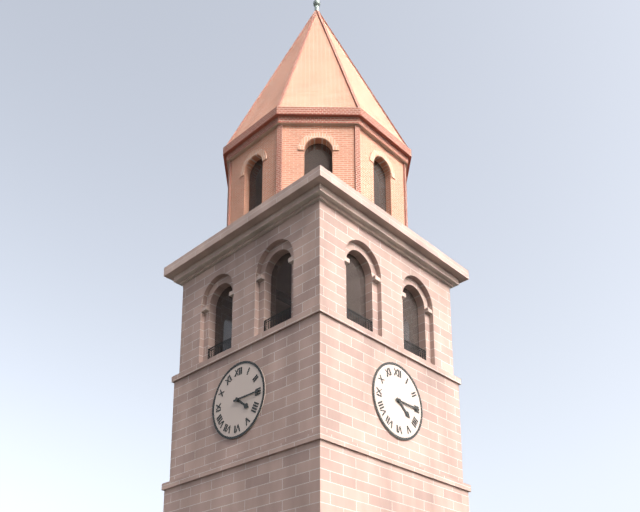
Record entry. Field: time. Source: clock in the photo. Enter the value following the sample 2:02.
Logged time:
4:15
